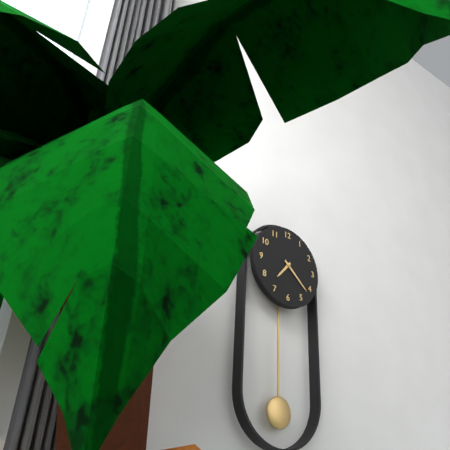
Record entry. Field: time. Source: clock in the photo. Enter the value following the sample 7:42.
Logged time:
7:22
